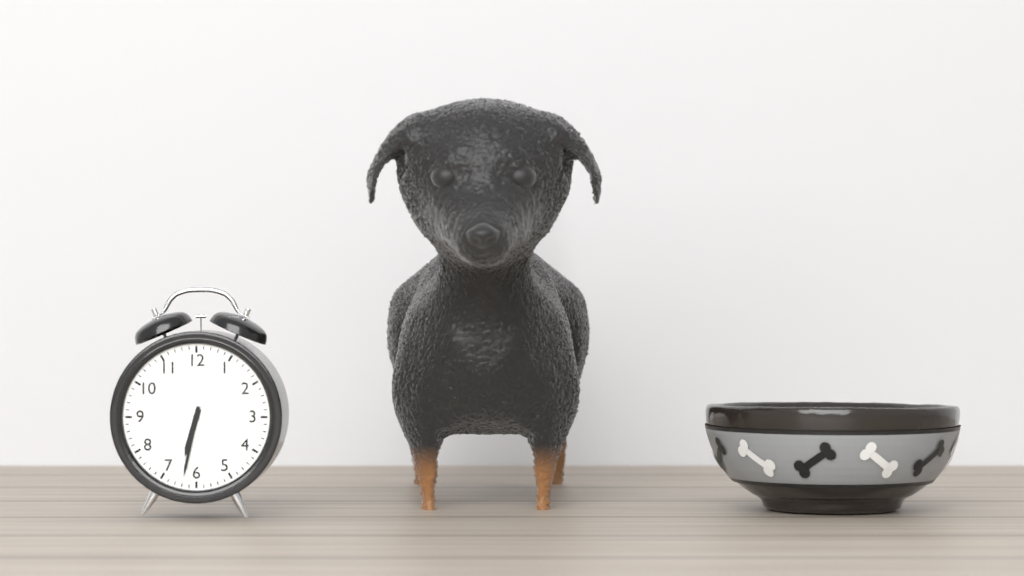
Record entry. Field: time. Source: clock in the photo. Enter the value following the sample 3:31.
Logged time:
6:32
